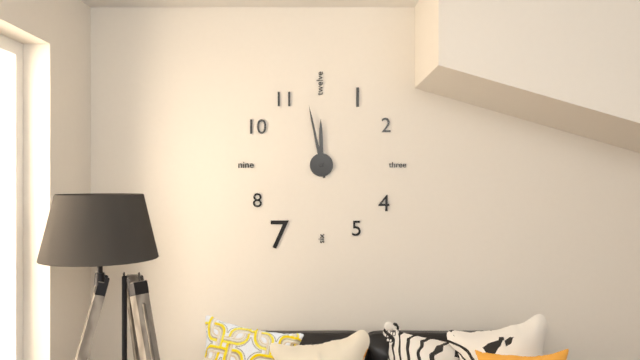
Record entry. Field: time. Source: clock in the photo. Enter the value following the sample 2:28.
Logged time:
11:58
